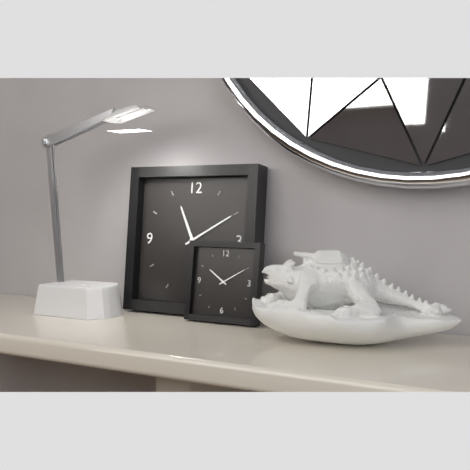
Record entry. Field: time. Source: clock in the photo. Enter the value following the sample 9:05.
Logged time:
11:10
